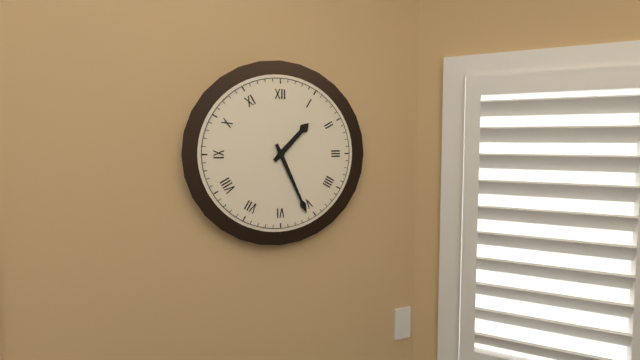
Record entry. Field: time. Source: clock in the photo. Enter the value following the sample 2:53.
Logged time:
1:26
